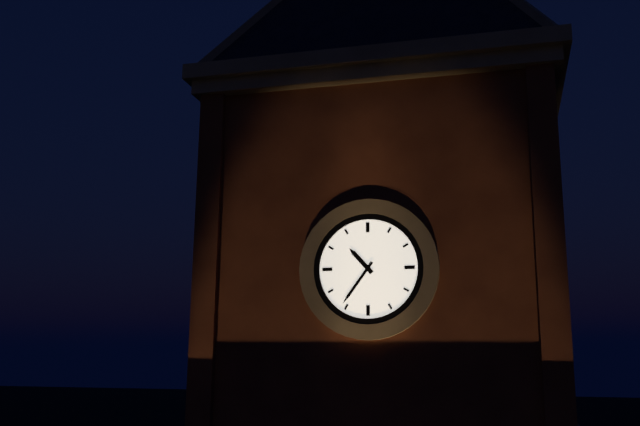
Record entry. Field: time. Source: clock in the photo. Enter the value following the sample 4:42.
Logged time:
10:36
